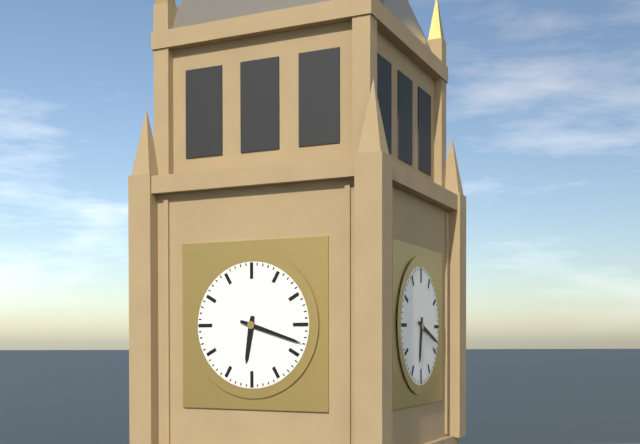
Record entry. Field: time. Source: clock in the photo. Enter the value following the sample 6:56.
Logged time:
6:18
